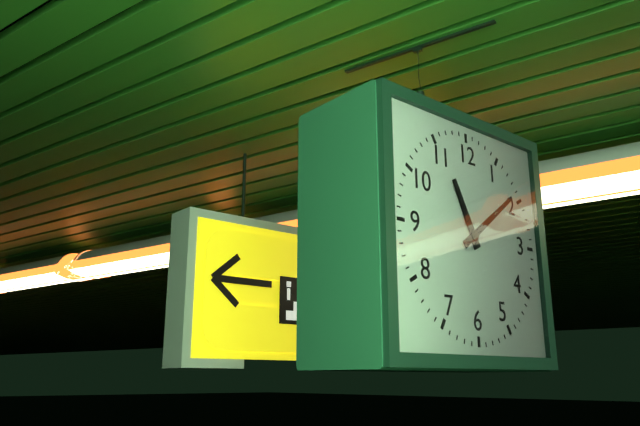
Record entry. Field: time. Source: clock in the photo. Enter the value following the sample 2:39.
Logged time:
11:09
